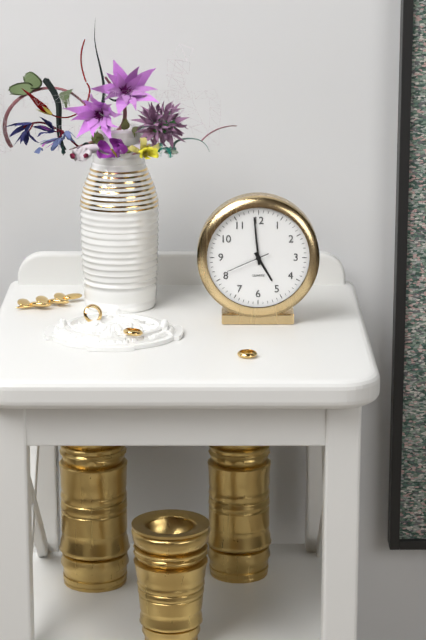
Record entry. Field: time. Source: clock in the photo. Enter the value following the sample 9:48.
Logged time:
4:59
